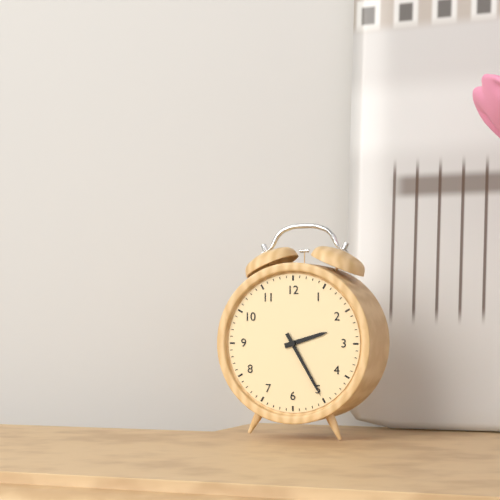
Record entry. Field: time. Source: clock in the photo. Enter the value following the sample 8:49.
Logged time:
2:25
